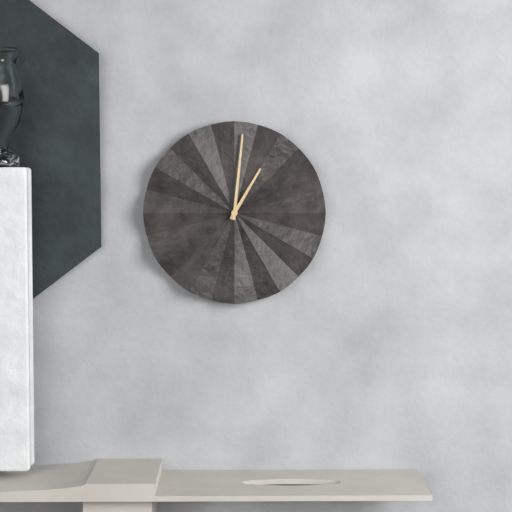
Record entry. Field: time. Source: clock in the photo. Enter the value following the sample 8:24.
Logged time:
1:01
